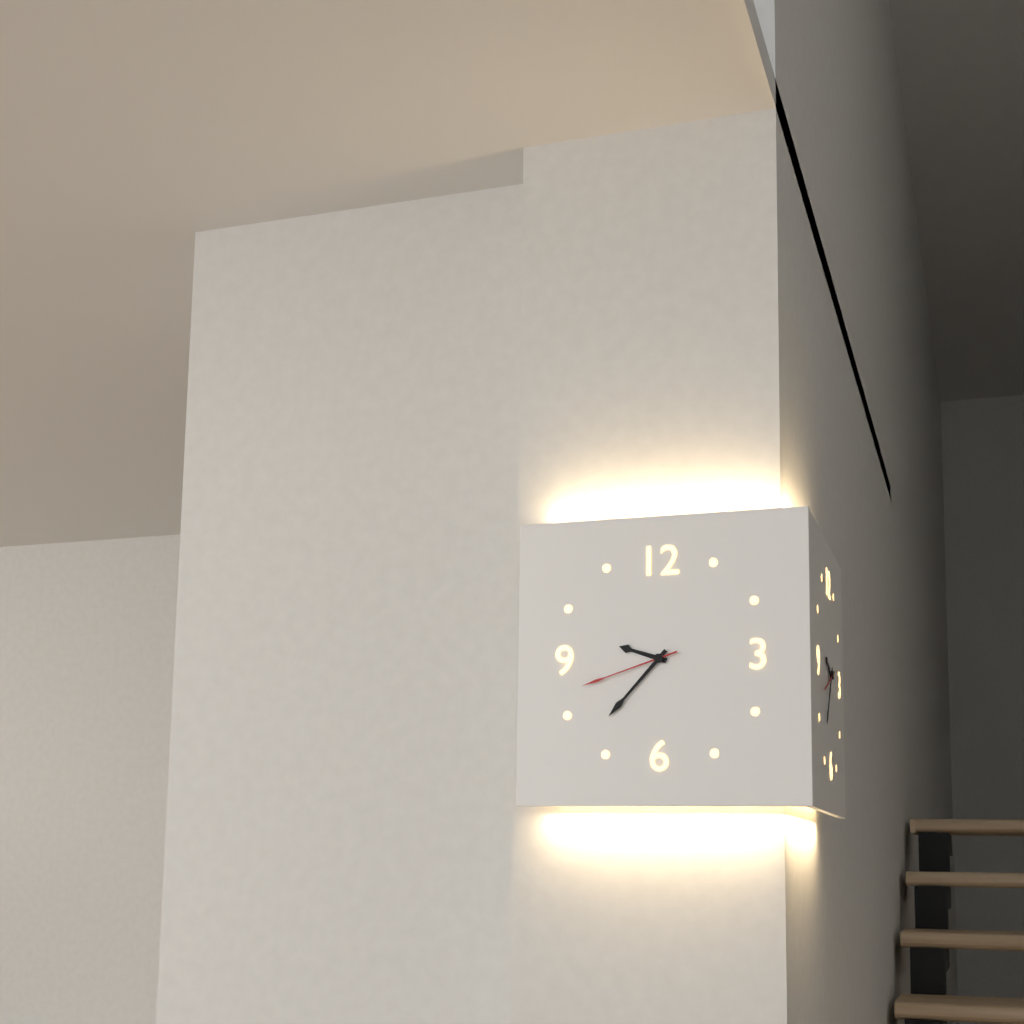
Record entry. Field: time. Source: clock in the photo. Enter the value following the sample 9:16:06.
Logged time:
9:37:42
